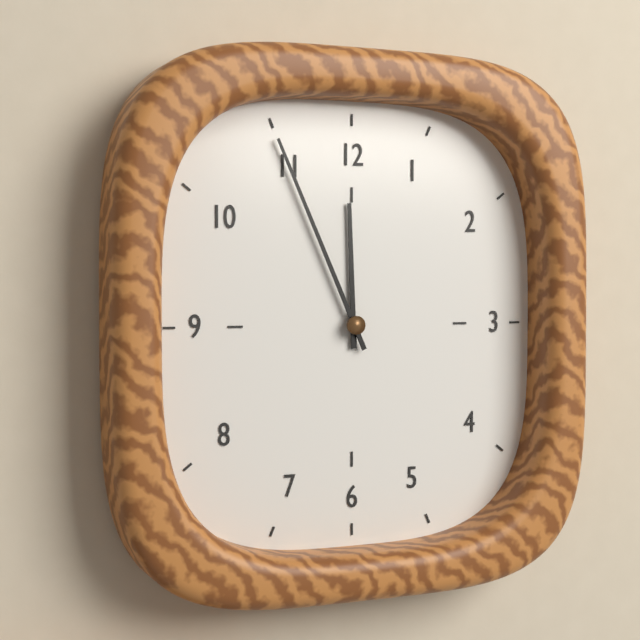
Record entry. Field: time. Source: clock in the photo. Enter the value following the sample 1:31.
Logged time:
11:56
